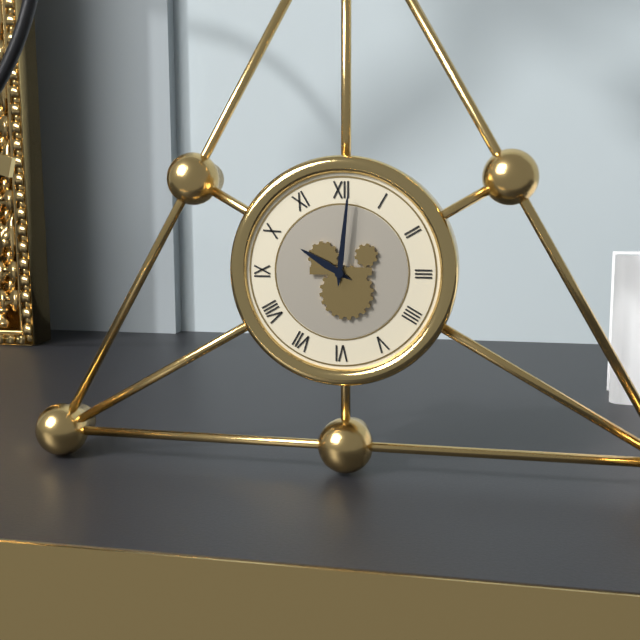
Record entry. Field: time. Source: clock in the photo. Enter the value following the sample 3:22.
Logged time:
10:01
